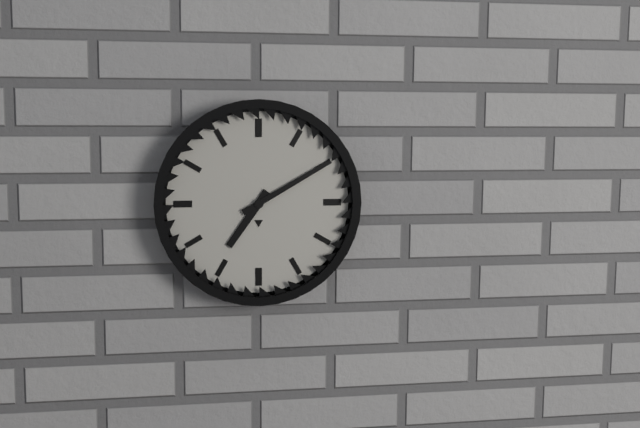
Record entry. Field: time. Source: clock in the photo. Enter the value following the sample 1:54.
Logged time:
7:10
